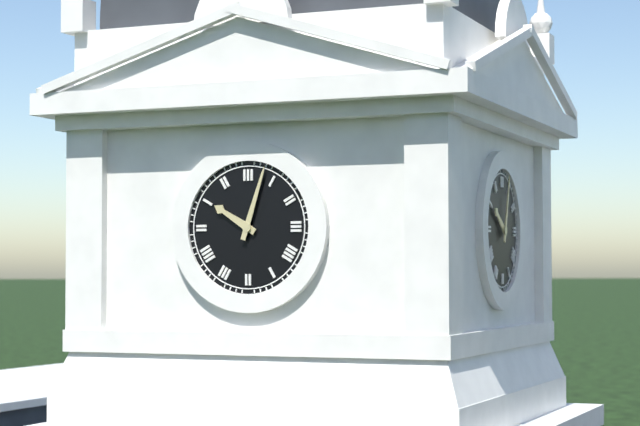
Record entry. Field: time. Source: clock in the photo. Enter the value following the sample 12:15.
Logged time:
10:03
